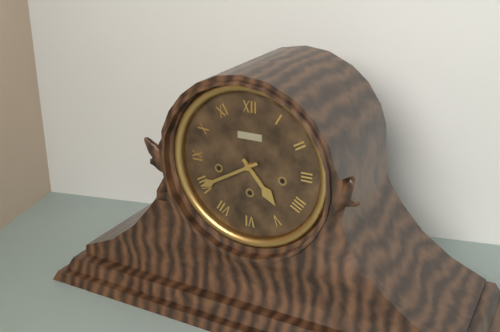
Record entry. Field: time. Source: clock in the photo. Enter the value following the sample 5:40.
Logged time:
4:40
